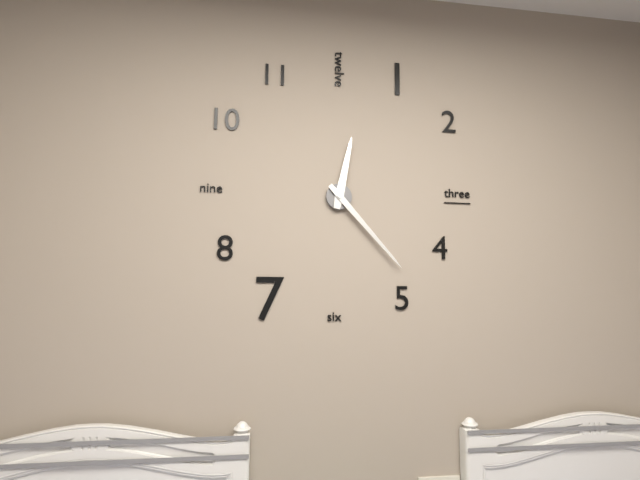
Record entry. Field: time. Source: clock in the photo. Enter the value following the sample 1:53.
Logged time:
12:23
